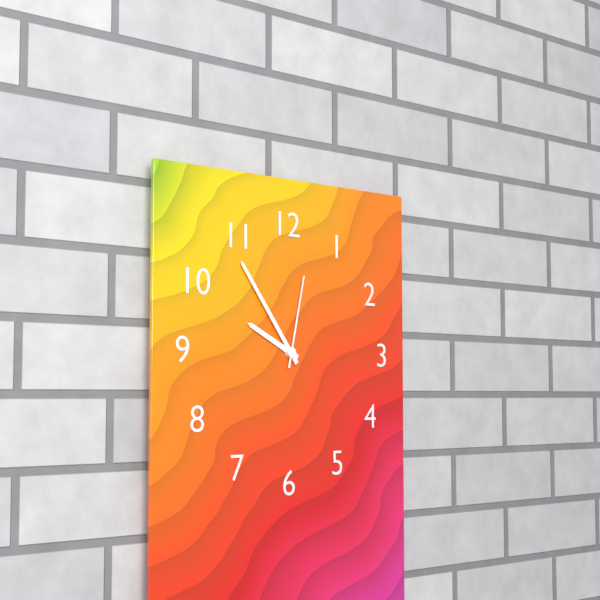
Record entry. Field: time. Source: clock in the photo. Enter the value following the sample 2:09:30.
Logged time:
9:54:02
